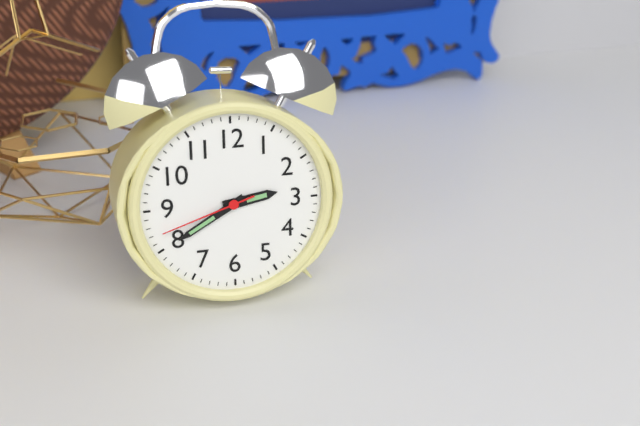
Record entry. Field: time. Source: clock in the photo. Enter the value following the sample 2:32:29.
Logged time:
2:40:42
